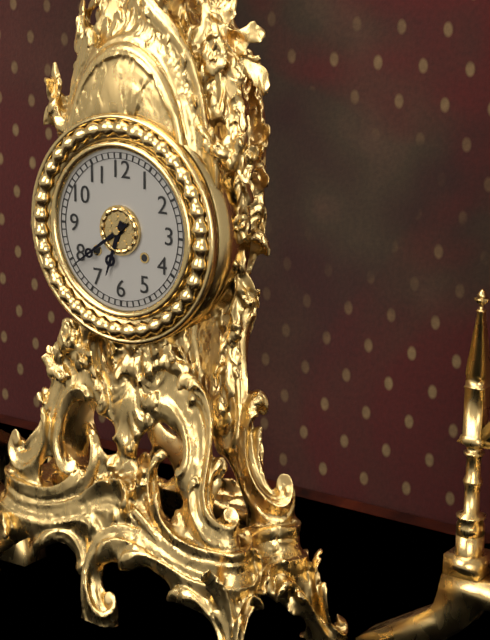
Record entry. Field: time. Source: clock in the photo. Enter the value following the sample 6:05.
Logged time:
6:39
